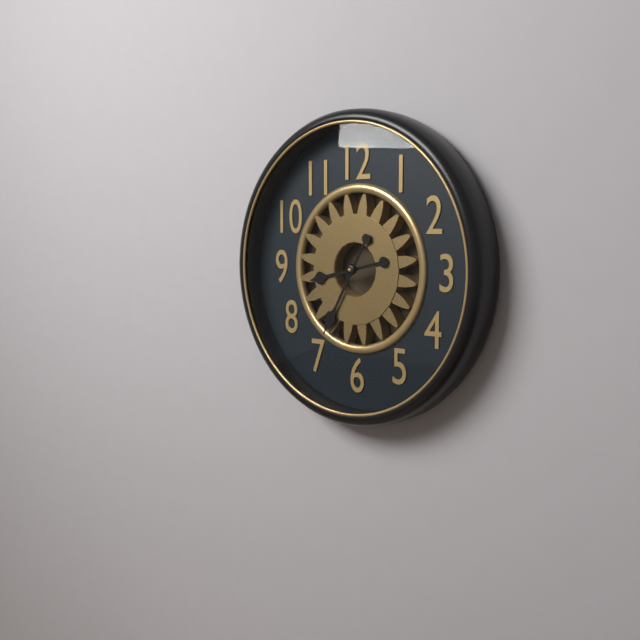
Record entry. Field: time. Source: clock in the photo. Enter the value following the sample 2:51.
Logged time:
8:35
